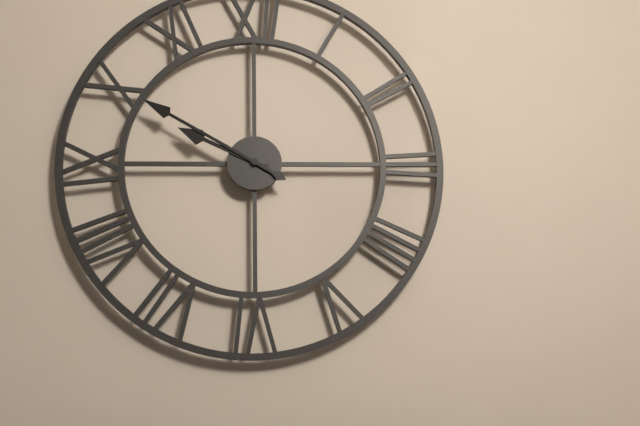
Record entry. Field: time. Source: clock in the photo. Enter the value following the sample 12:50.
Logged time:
9:50
